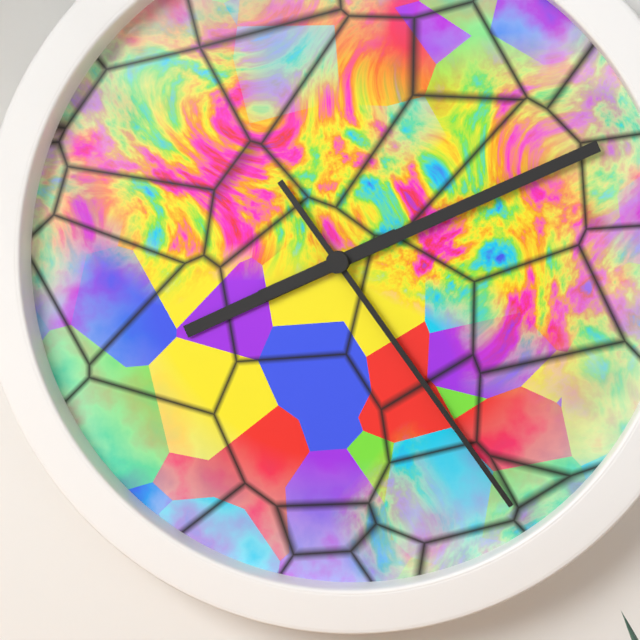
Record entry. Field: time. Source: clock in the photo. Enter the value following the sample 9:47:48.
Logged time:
8:11:24
